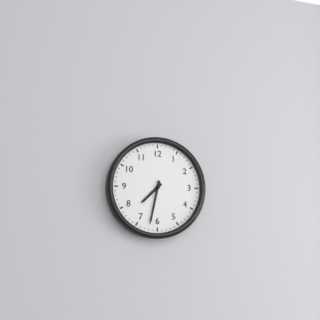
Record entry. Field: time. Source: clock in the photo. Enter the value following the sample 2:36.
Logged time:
7:32
